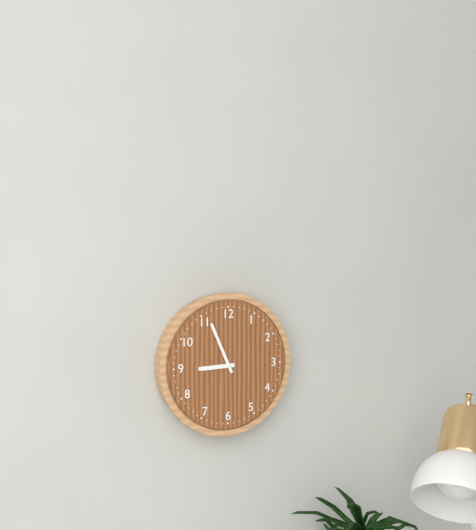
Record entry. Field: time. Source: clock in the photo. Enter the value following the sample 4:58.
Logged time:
8:56
